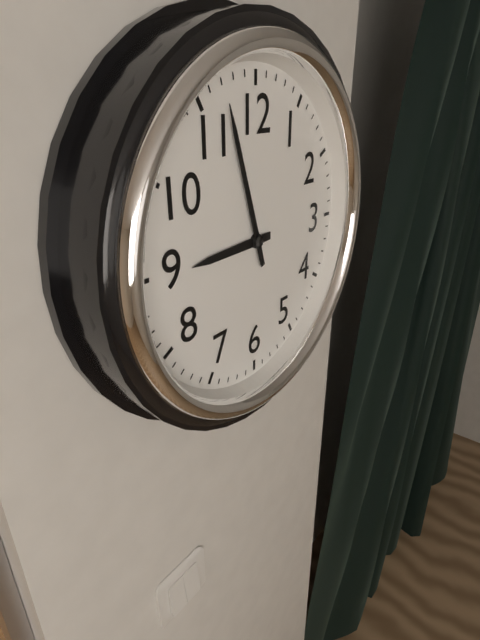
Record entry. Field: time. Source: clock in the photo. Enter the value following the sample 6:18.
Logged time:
8:57
